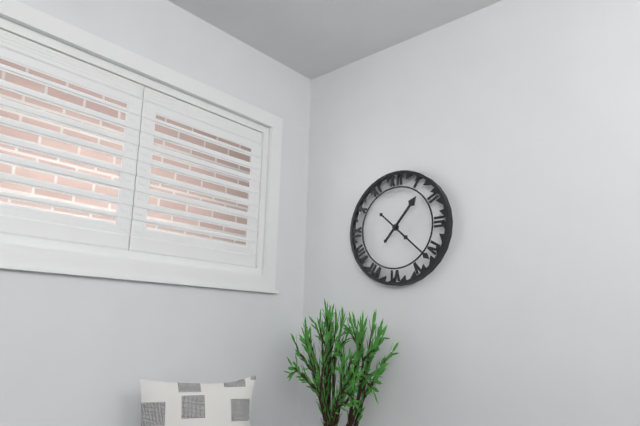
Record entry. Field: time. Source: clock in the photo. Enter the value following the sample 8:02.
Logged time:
1:22
